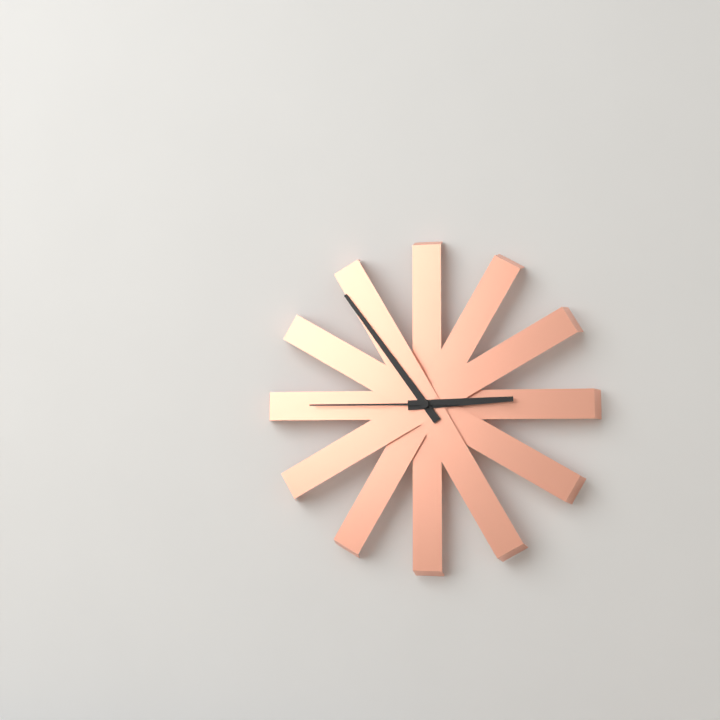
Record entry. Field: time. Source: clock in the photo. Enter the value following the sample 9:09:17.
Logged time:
2:54:45
